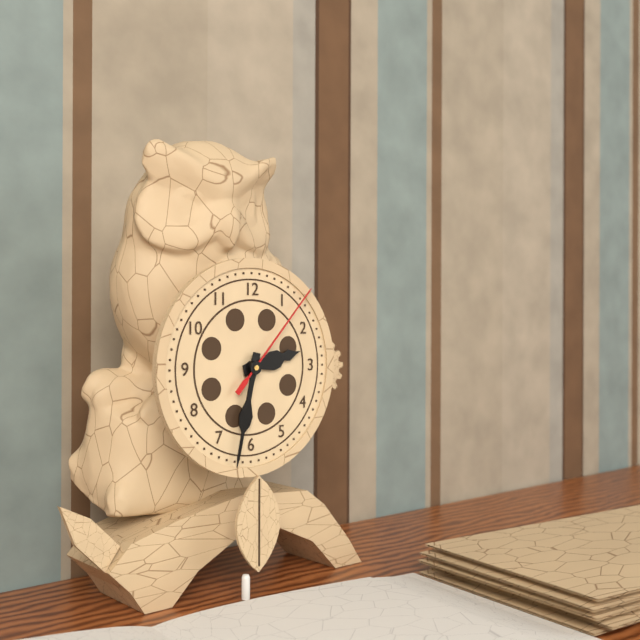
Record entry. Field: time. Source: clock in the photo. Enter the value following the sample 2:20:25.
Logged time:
2:32:07
